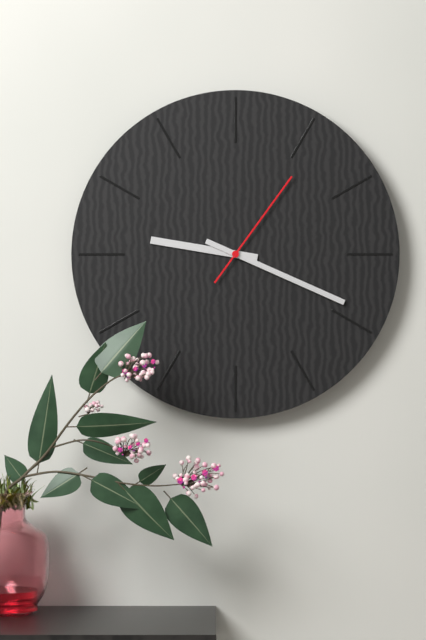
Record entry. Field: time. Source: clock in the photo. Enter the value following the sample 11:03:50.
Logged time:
9:19:06
